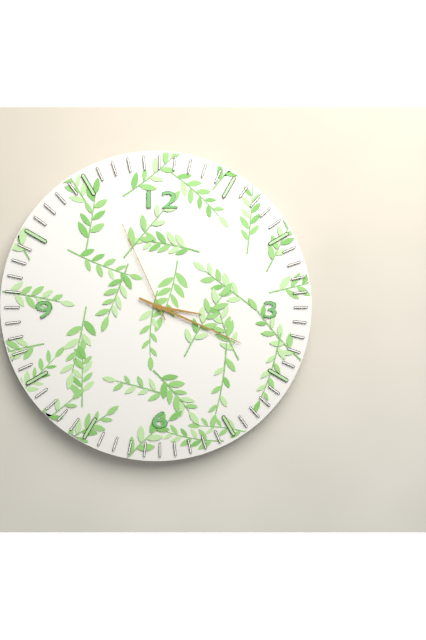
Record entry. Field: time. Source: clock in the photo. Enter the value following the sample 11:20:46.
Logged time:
3:19:56
